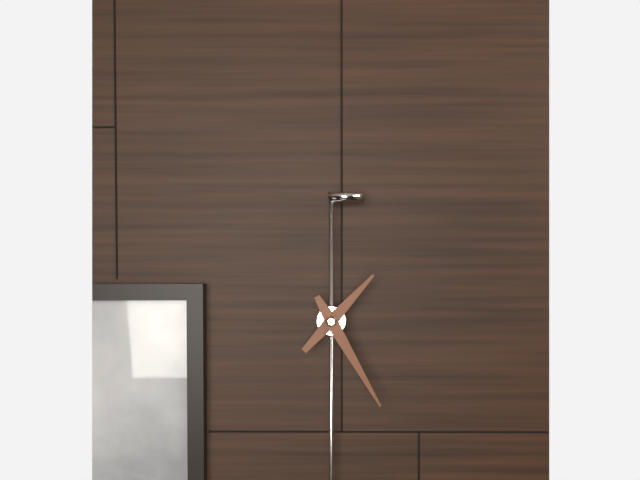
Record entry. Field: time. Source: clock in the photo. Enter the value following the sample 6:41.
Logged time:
1:25
